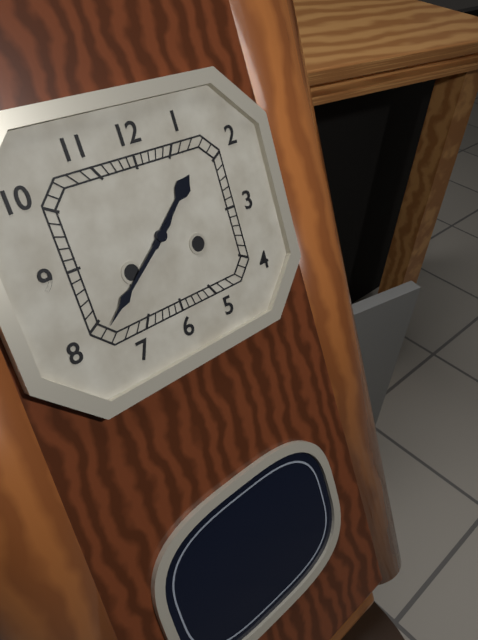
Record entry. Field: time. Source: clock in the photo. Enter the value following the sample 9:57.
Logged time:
1:39
